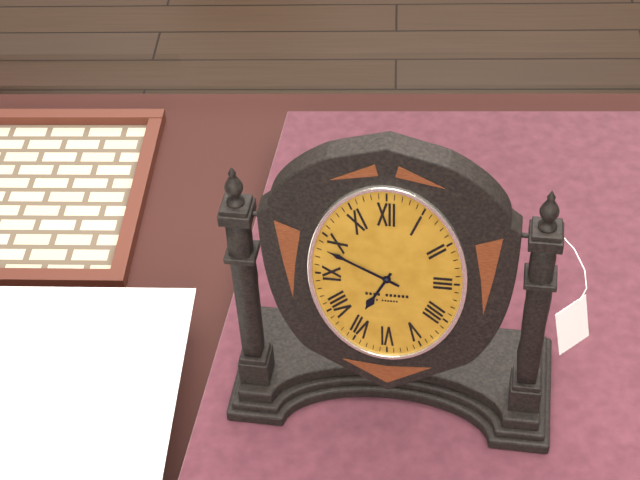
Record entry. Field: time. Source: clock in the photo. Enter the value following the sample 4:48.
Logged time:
6:50
